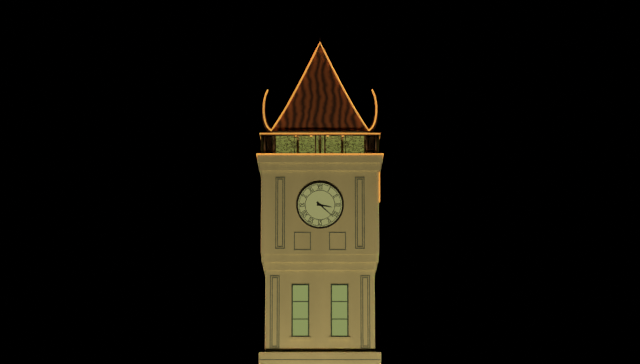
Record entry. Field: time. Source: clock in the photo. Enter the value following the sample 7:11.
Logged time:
3:22
